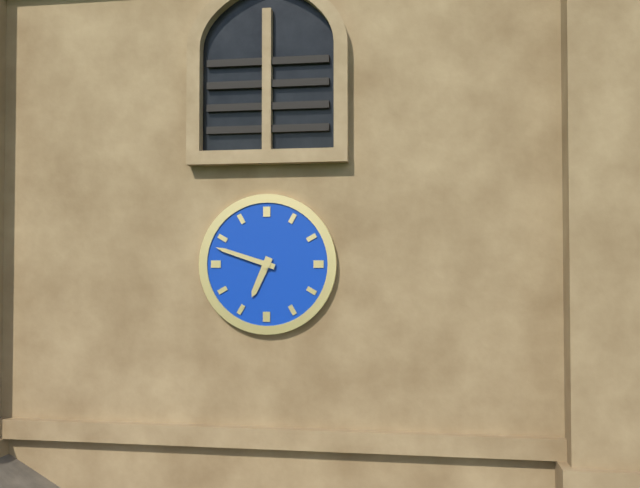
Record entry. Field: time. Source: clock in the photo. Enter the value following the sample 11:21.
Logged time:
6:48
